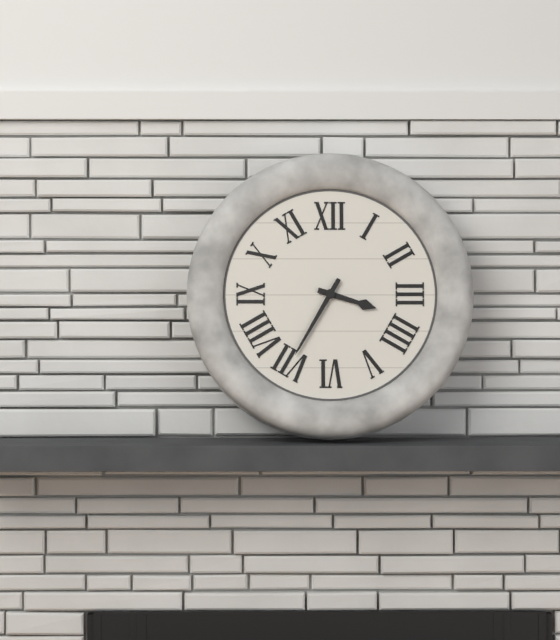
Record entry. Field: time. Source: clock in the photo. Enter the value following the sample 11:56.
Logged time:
3:35
